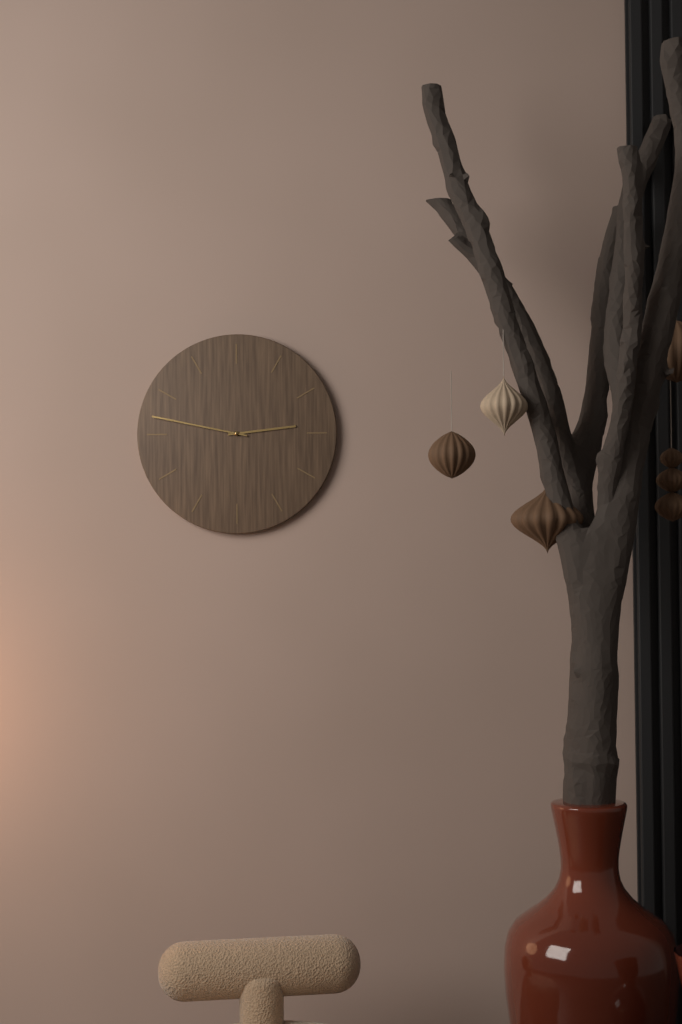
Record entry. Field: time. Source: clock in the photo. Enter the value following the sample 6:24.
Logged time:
2:47
